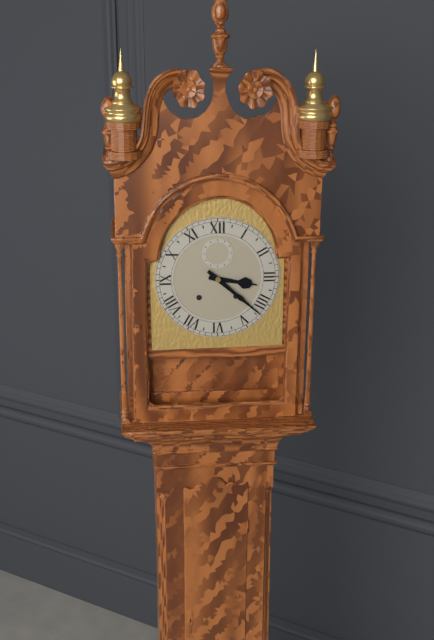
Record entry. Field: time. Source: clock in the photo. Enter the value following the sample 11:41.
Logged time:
3:22
